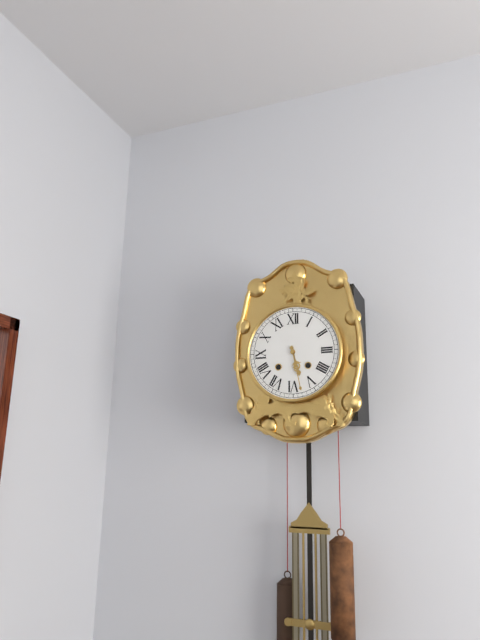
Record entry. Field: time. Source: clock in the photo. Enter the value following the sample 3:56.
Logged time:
5:28
